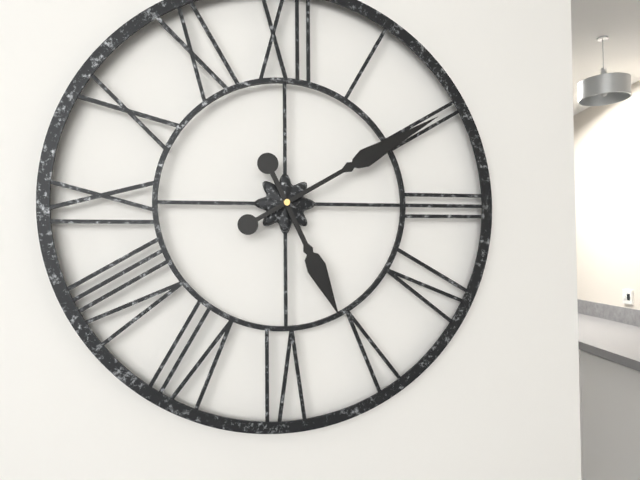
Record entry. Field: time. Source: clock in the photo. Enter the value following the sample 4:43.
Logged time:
5:10
